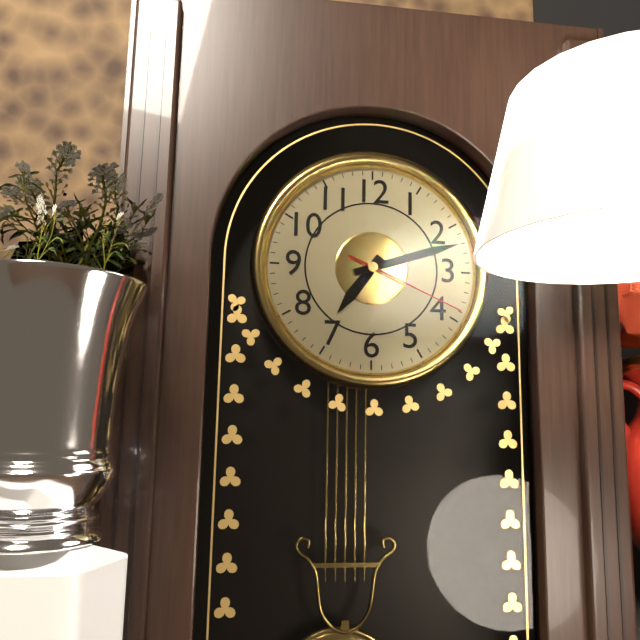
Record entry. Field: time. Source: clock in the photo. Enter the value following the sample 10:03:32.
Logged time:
7:12:19
